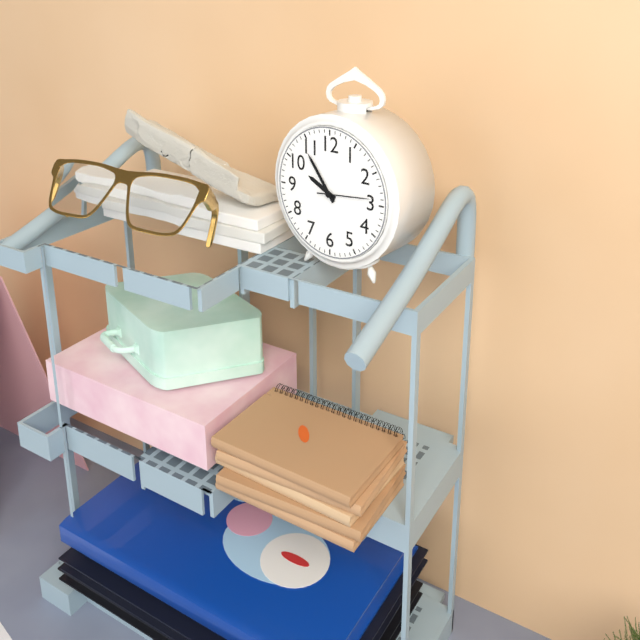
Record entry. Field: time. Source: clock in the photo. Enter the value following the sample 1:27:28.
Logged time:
9:54:14
